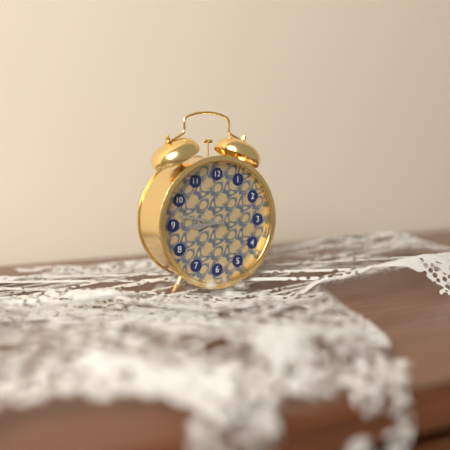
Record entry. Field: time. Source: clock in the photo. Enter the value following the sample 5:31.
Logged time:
8:47
